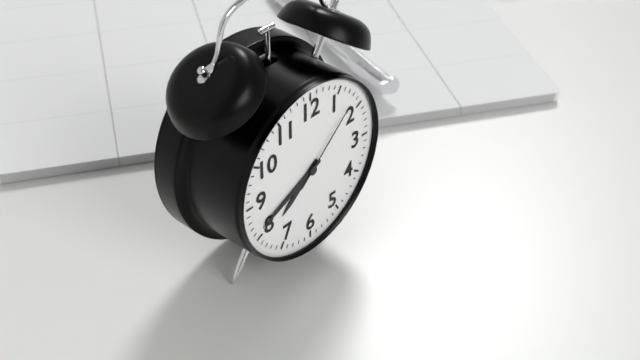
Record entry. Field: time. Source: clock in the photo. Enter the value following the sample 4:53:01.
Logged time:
7:41:08
